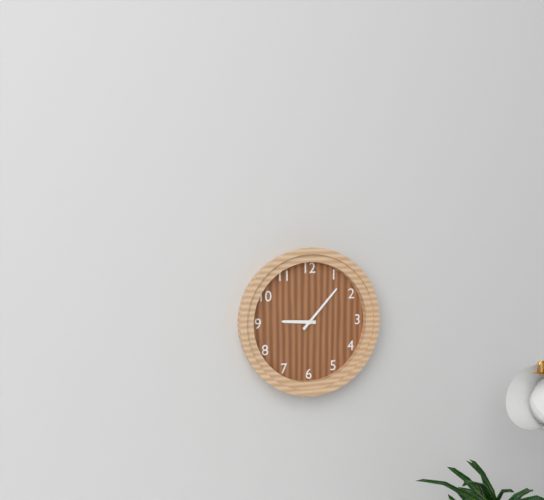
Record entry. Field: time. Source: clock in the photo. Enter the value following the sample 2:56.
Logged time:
9:07
